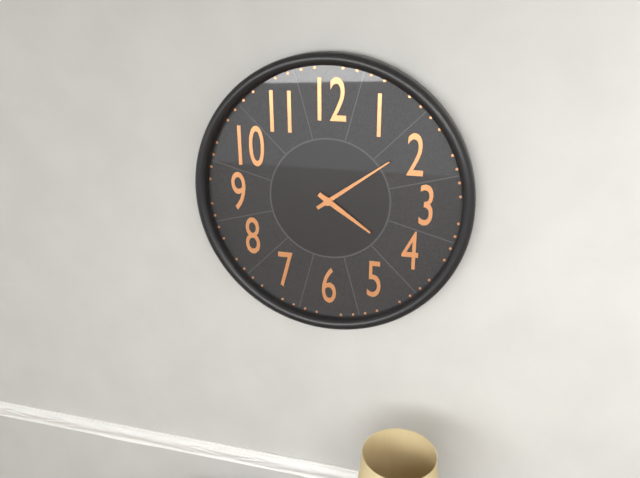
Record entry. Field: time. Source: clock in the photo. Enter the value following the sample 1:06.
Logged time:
4:09
